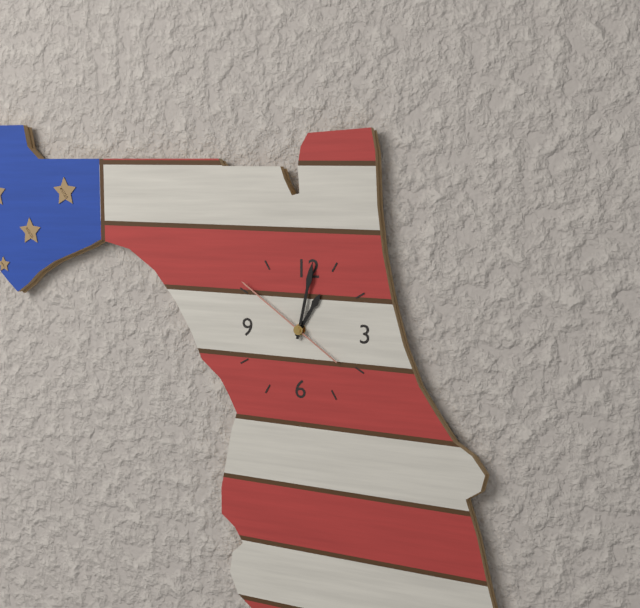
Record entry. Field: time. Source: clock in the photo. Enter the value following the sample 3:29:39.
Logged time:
1:02:51
